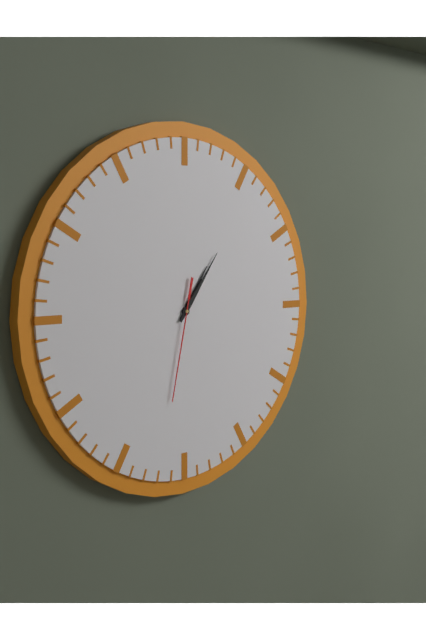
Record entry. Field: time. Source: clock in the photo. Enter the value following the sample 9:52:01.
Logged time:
1:06:32
